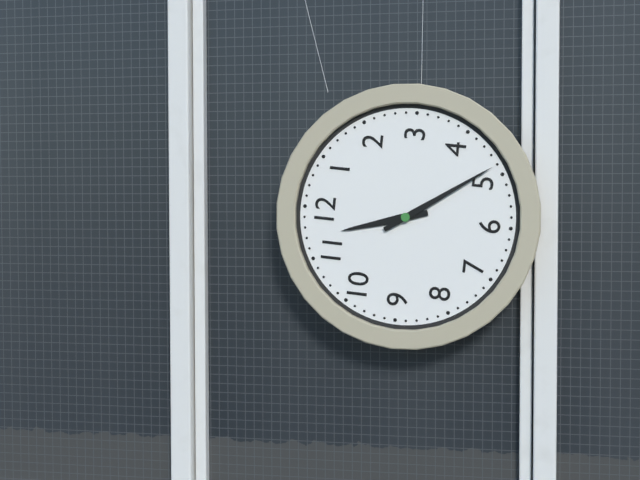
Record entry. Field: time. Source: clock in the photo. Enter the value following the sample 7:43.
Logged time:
11:24
